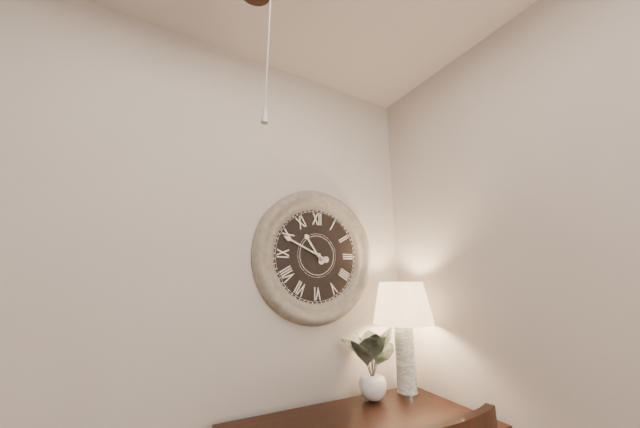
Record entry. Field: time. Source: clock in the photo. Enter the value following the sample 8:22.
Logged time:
10:49
